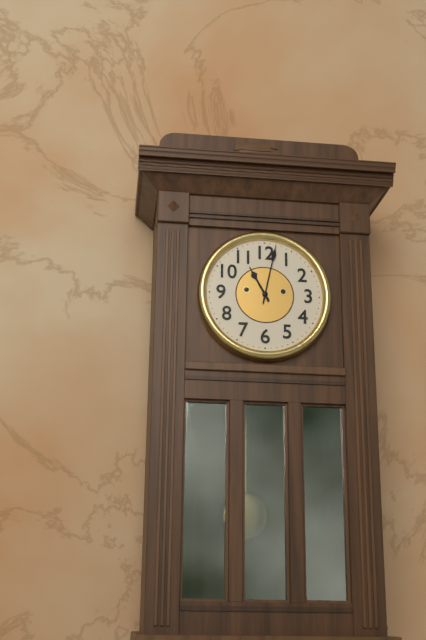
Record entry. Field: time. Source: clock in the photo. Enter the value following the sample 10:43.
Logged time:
11:02
